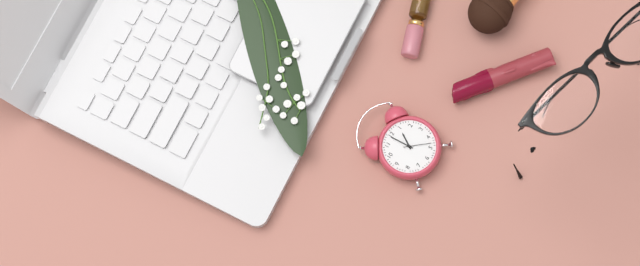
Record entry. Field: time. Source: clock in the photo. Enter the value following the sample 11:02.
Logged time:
12:59
